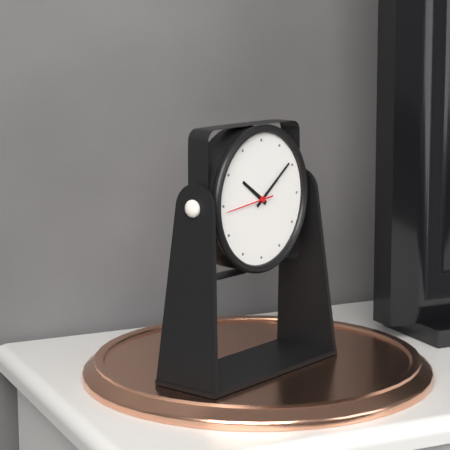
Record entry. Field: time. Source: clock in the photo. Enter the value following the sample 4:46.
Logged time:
10:09
